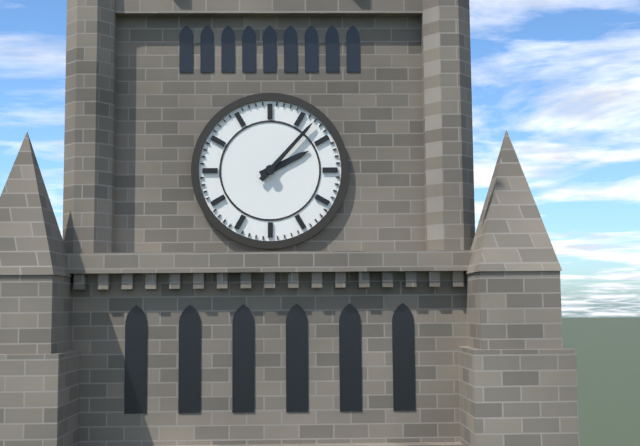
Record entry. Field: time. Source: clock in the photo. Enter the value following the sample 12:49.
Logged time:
2:07
